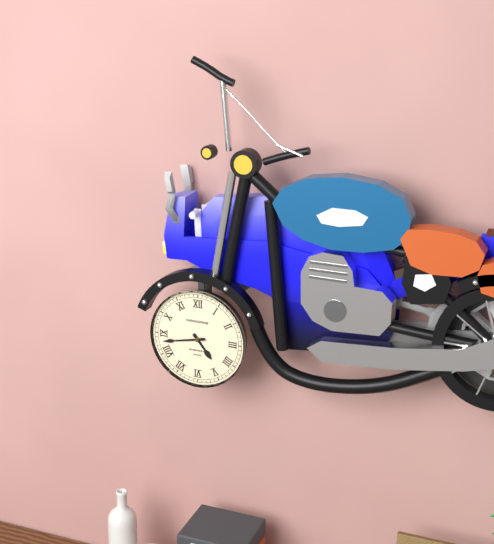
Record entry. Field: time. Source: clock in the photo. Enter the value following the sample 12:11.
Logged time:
4:43
